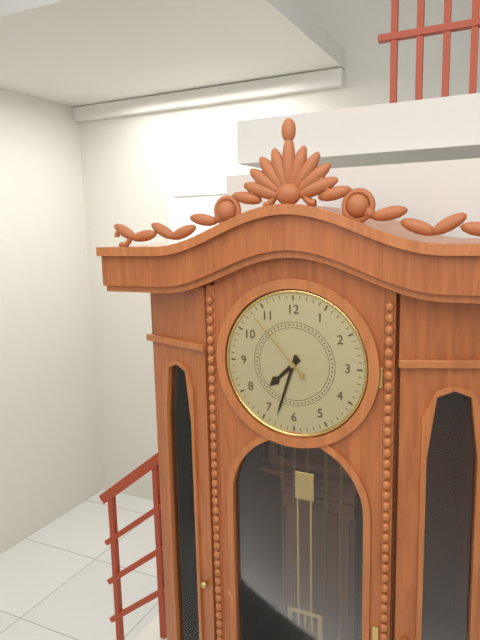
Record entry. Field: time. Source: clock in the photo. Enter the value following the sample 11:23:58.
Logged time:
7:33:53
